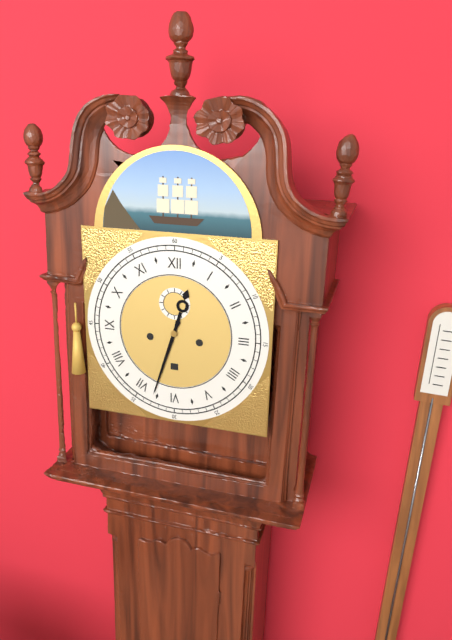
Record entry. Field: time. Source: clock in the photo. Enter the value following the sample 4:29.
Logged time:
12:33
